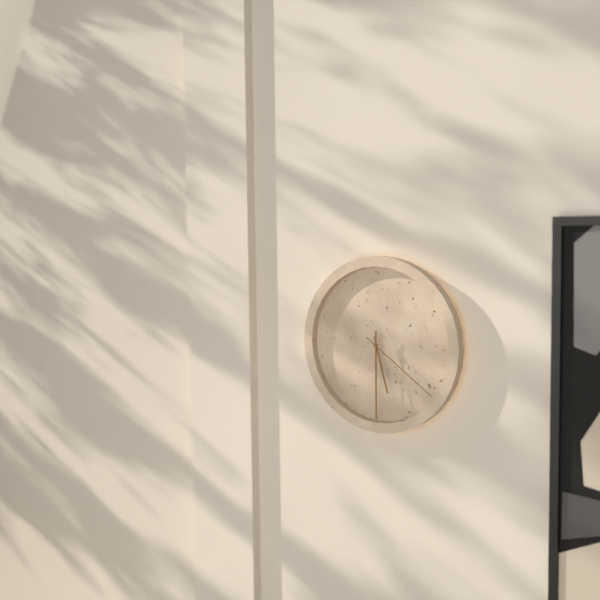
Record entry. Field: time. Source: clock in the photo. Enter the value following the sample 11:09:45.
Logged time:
5:30:21
